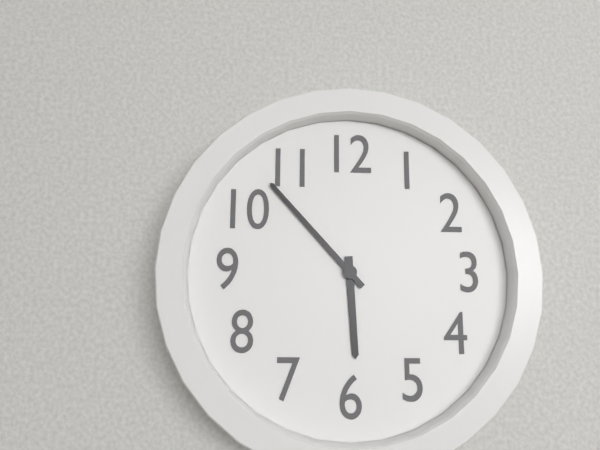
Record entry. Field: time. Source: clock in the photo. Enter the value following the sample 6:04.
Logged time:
5:53
